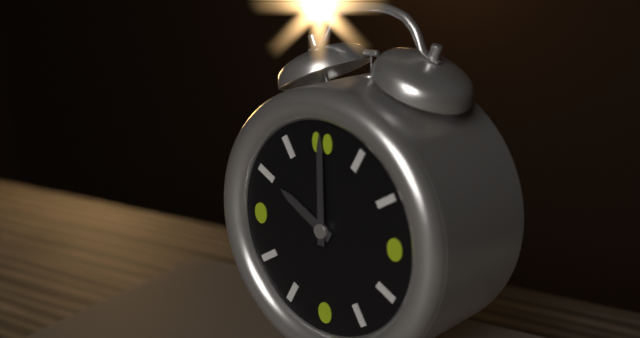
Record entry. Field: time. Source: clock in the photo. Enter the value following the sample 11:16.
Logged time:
10:00
